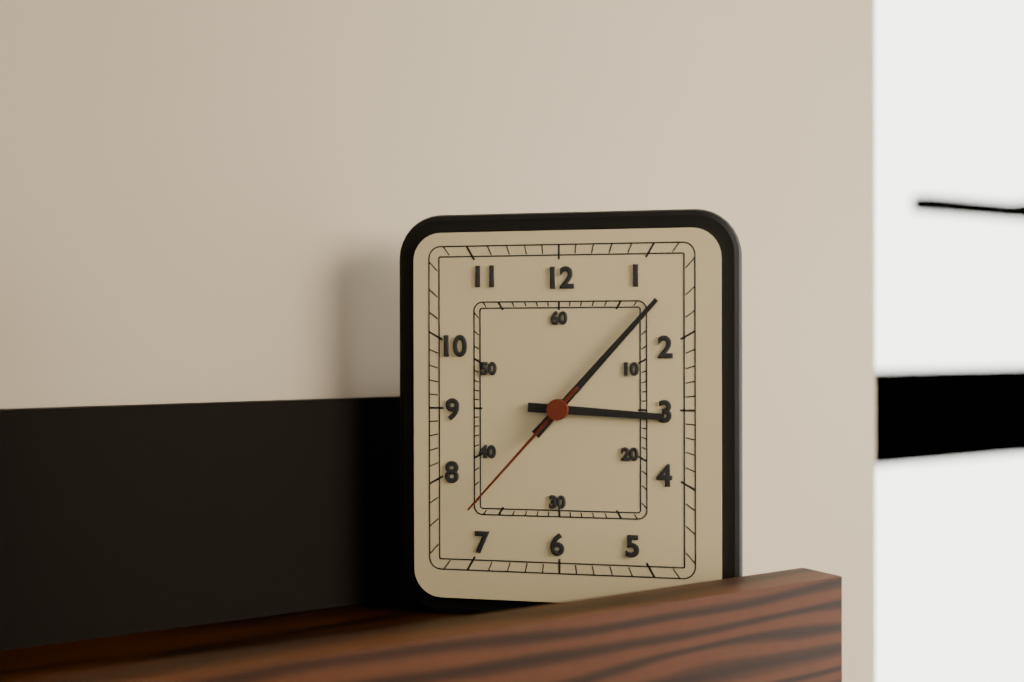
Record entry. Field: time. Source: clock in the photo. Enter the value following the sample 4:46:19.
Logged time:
3:07:37
